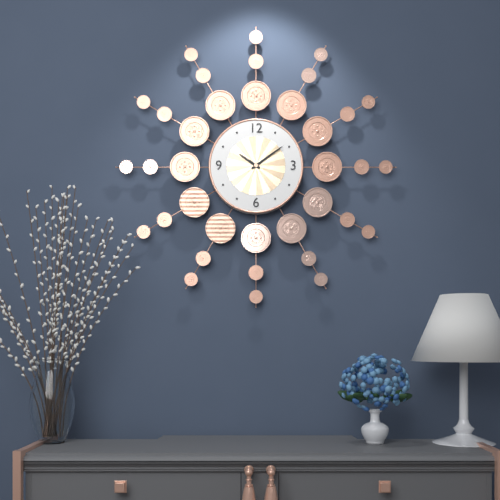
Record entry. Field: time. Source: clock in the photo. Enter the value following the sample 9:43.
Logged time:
10:09
